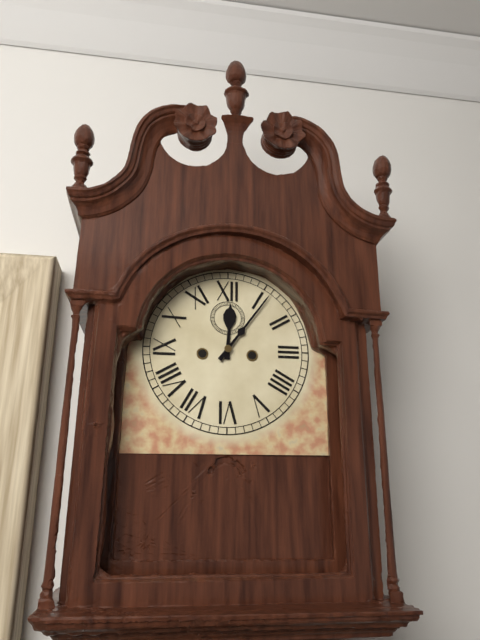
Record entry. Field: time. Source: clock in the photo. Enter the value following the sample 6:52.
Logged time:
12:06
